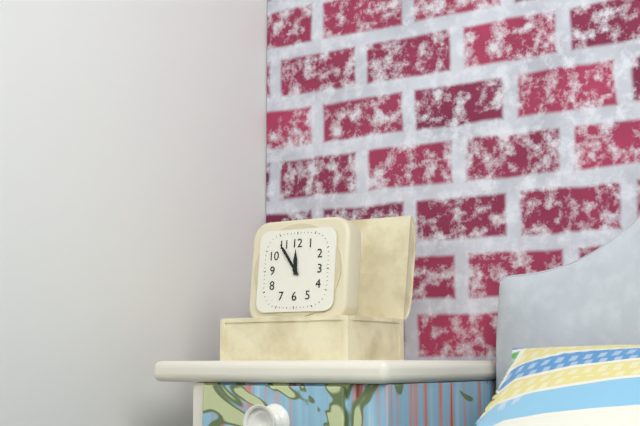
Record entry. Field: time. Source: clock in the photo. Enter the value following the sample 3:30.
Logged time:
11:54
